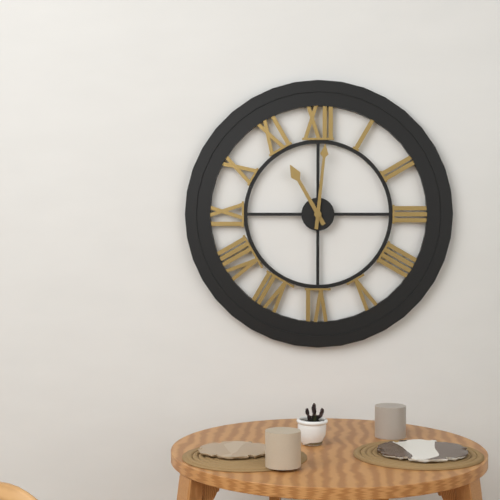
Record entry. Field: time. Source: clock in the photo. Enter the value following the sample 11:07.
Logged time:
11:01
